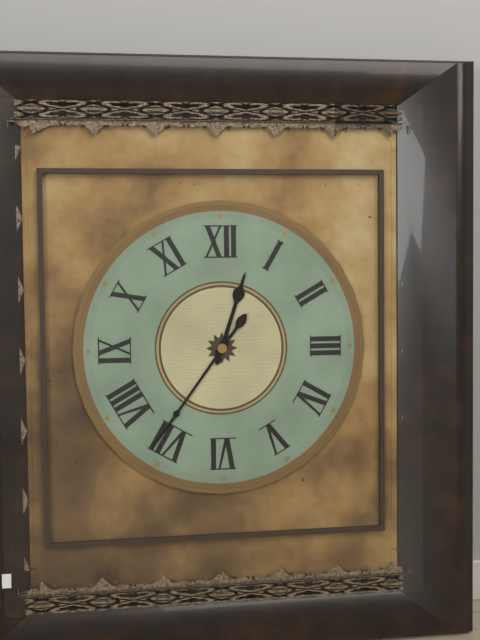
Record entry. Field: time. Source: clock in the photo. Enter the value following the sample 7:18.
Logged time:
12:36
